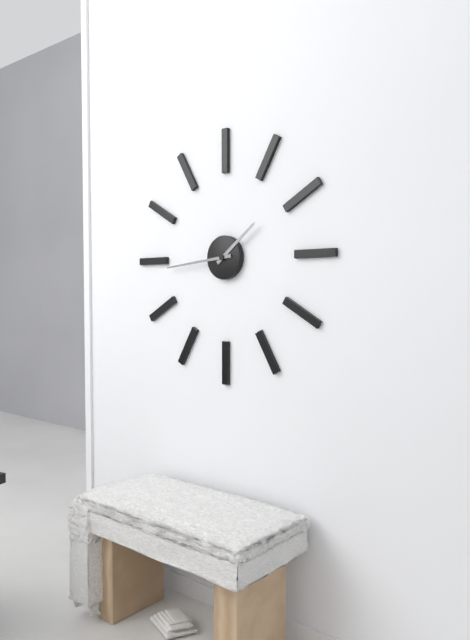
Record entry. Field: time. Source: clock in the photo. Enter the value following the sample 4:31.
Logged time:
1:44
